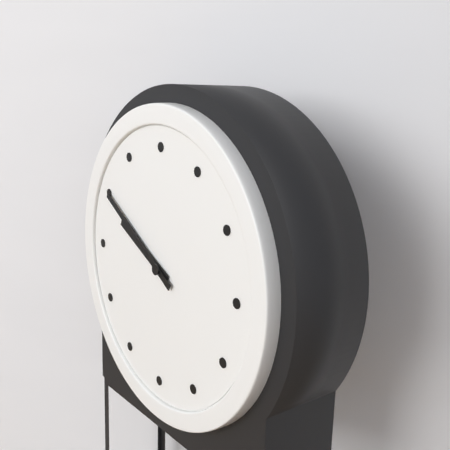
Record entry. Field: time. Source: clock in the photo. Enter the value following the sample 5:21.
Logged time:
9:50
